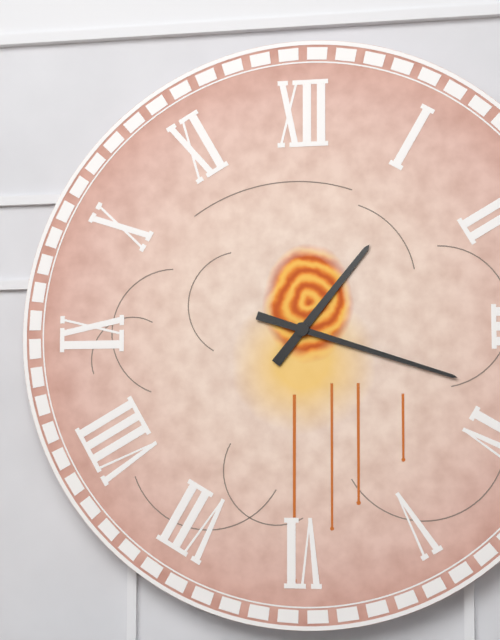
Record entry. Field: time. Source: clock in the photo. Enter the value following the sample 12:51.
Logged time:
1:18
